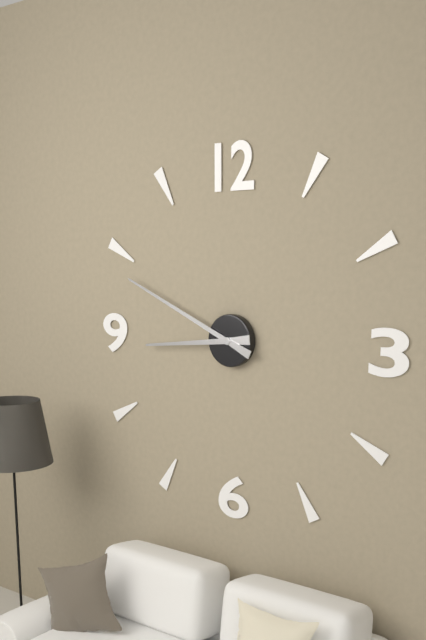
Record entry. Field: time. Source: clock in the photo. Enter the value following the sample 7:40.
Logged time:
8:49
